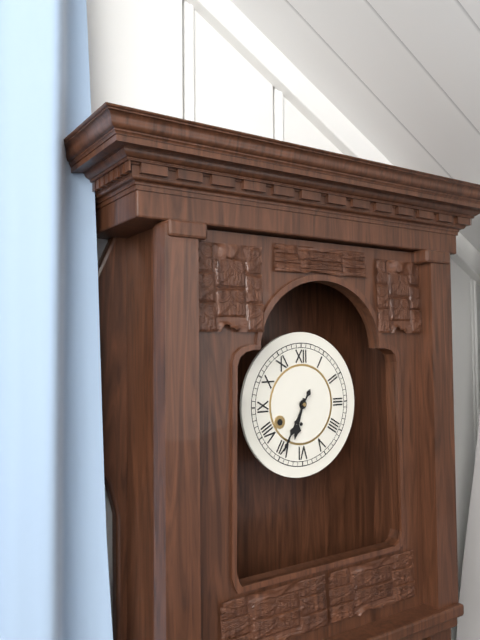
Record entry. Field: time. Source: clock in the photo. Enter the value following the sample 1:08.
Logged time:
6:35
